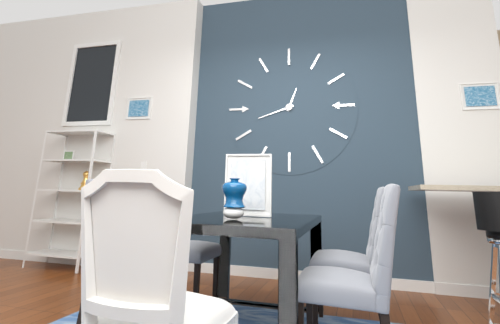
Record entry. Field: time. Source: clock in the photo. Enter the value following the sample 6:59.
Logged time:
12:42
